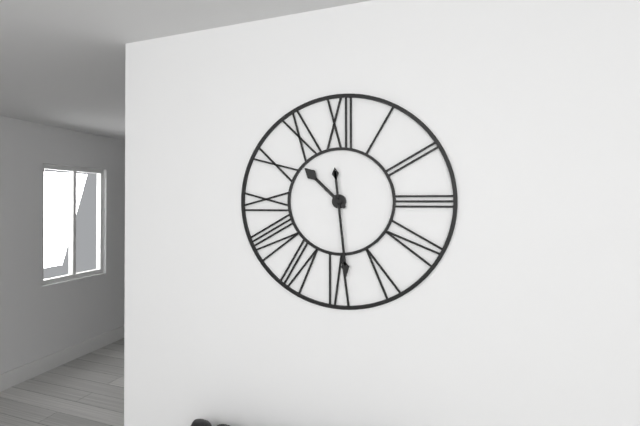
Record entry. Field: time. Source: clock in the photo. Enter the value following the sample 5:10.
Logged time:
10:29
